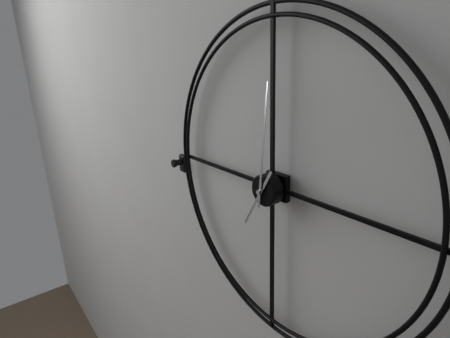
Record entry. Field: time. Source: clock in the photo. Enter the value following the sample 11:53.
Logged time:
7:01
